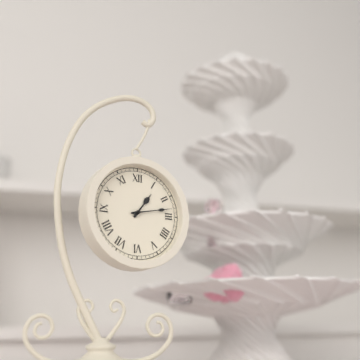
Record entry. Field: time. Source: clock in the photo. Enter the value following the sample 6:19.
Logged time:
1:13
